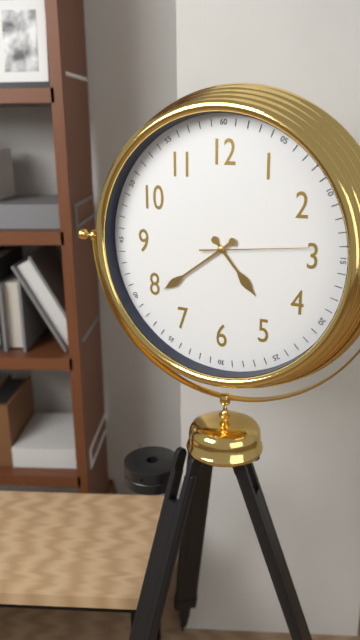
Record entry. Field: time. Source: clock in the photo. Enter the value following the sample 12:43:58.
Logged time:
4:39:14
